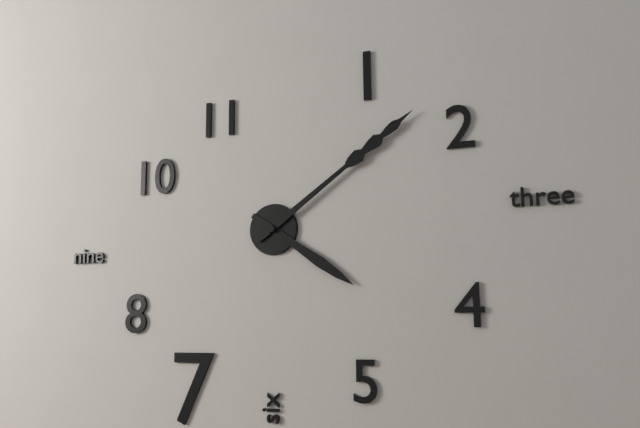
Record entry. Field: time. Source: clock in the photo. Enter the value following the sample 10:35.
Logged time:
4:09
